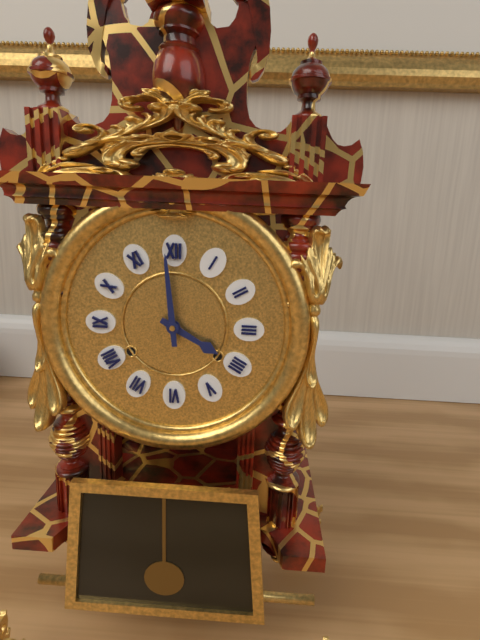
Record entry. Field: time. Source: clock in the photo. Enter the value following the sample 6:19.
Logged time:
3:59
